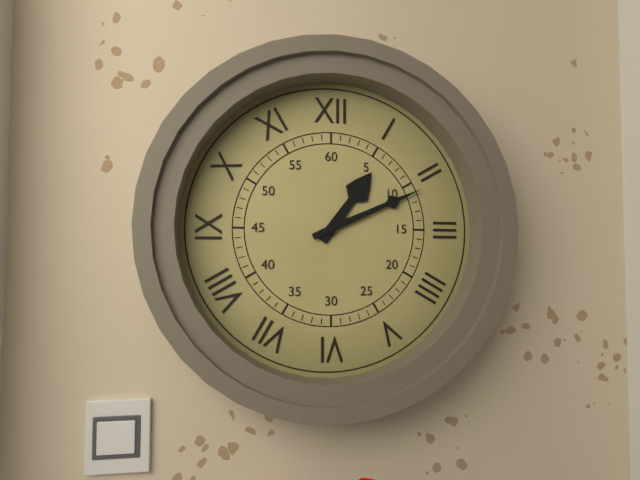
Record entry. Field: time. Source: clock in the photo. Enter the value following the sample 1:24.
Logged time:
1:11
